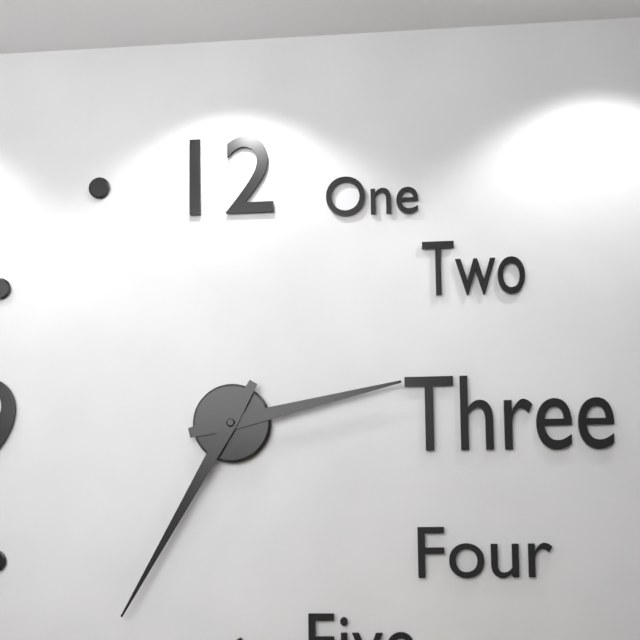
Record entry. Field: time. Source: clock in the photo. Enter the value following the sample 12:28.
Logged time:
2:35
